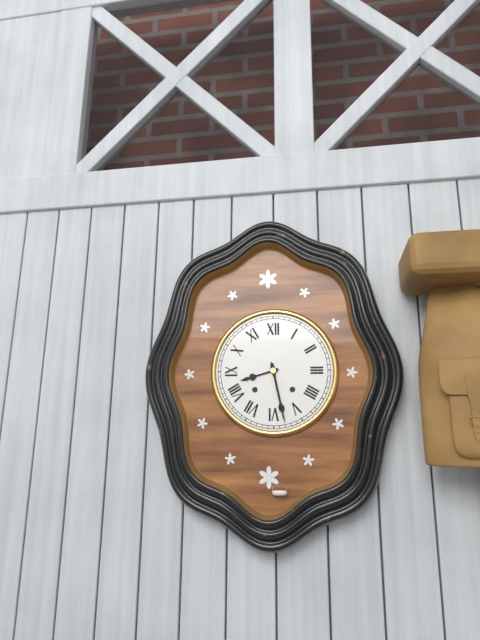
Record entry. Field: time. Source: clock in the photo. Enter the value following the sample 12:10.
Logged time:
8:28
